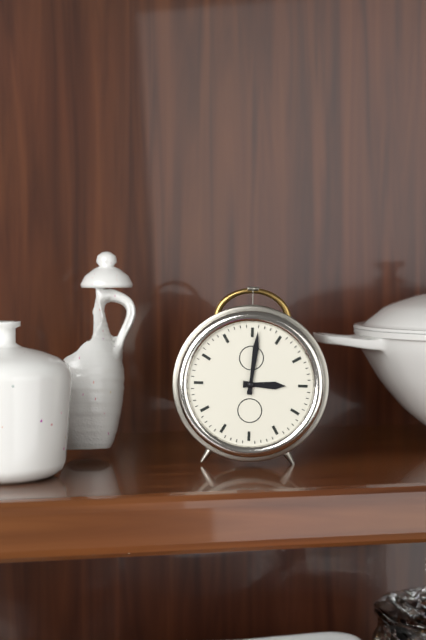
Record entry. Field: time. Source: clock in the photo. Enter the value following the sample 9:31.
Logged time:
3:01
